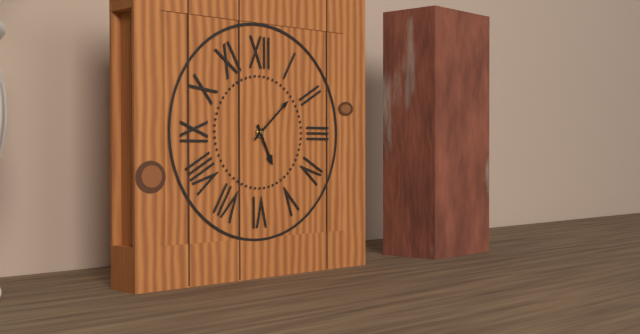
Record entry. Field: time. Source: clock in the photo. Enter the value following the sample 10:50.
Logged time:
5:08
